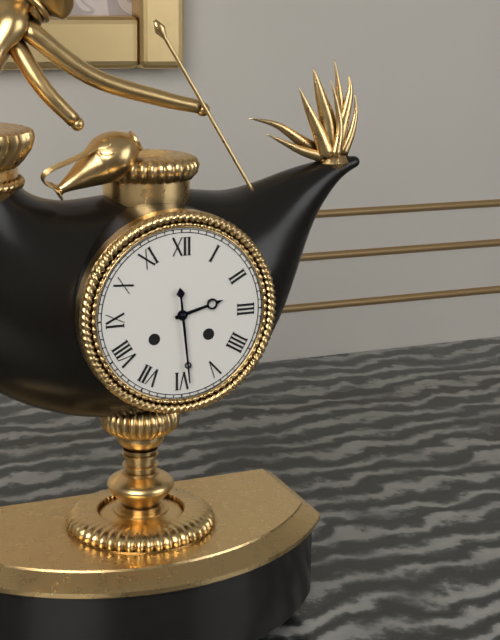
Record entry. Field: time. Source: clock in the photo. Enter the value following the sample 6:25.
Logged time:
2:29
